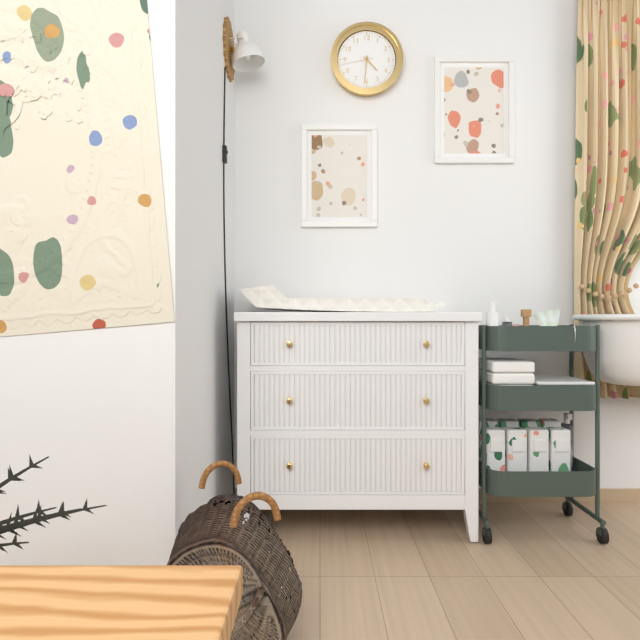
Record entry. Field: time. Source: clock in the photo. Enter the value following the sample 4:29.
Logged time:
4:31
